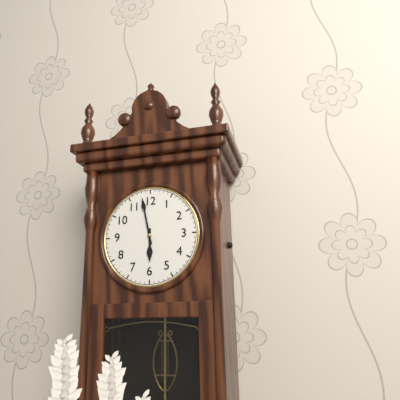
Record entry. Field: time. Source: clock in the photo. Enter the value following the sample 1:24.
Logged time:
5:58
